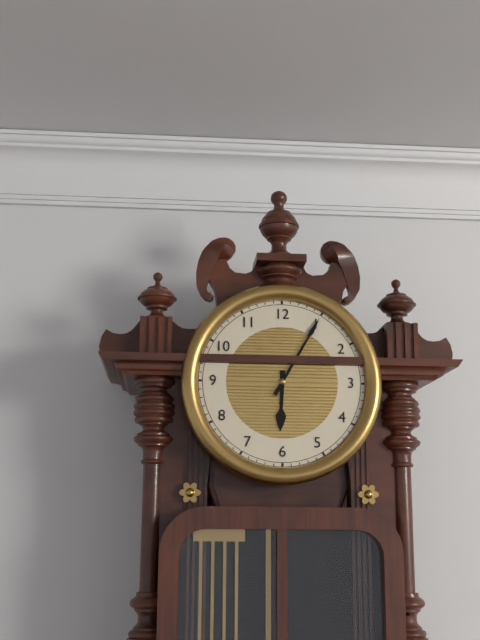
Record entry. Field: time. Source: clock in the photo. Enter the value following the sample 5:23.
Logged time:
6:05
